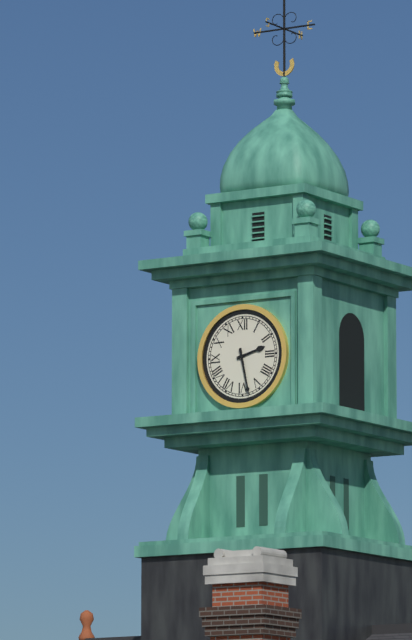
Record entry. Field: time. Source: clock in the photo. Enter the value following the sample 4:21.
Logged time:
2:28
